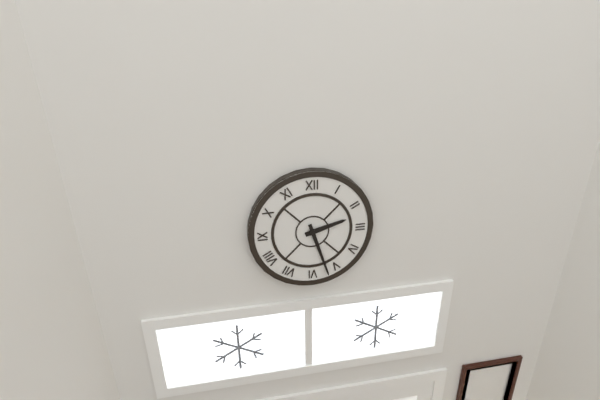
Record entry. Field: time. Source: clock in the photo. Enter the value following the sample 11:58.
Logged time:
2:27
